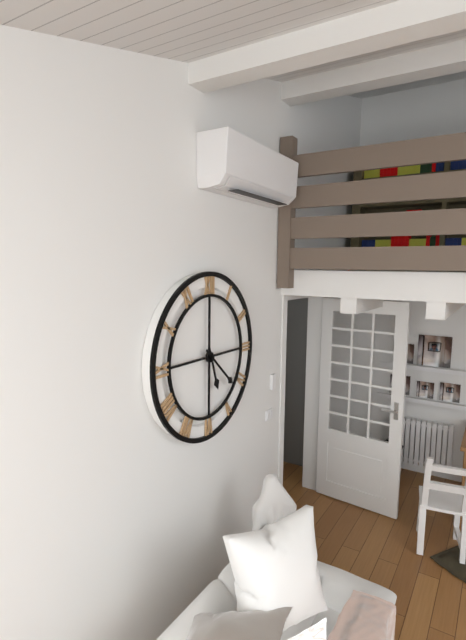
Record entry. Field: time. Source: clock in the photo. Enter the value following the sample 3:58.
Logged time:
5:22
